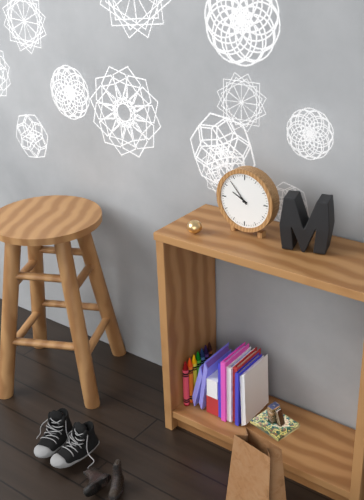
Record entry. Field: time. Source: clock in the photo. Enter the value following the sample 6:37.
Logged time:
9:53
